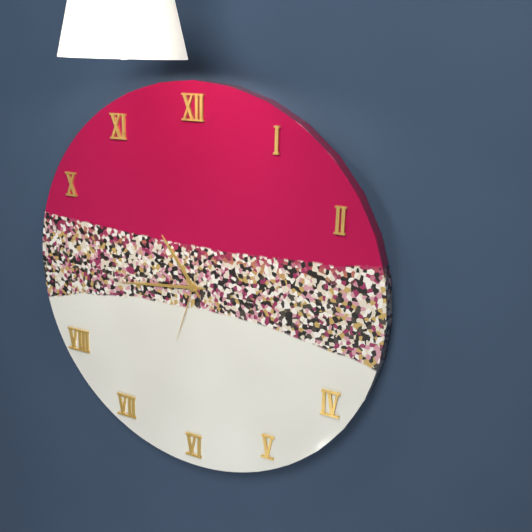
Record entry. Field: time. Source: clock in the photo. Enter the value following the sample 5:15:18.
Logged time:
10:44:33
